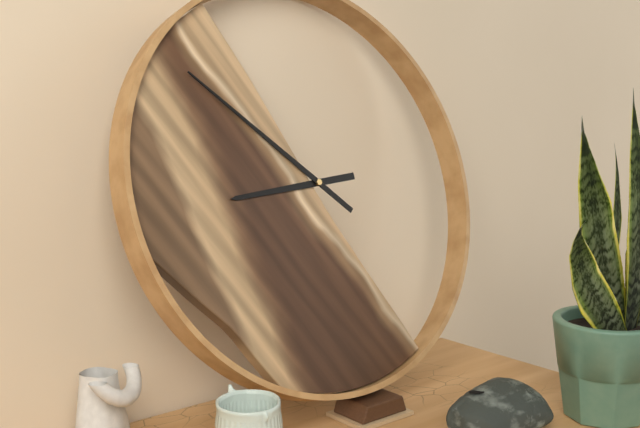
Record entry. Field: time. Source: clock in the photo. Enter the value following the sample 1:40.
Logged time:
8:52
